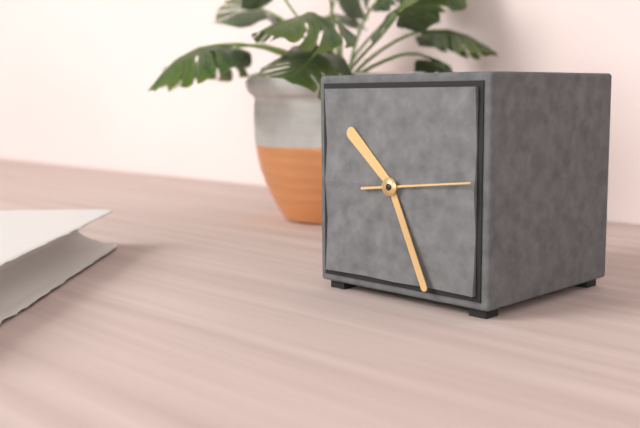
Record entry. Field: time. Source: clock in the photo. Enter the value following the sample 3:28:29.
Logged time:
10:26:14
